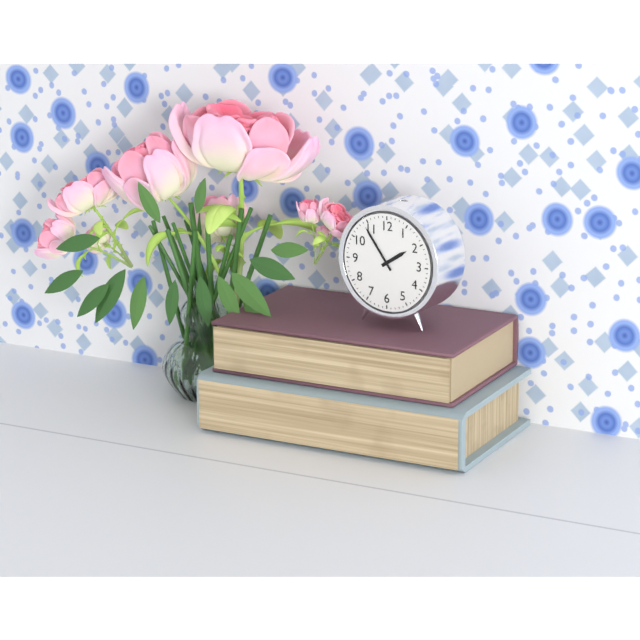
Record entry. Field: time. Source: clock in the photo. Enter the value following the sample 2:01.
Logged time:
1:54
